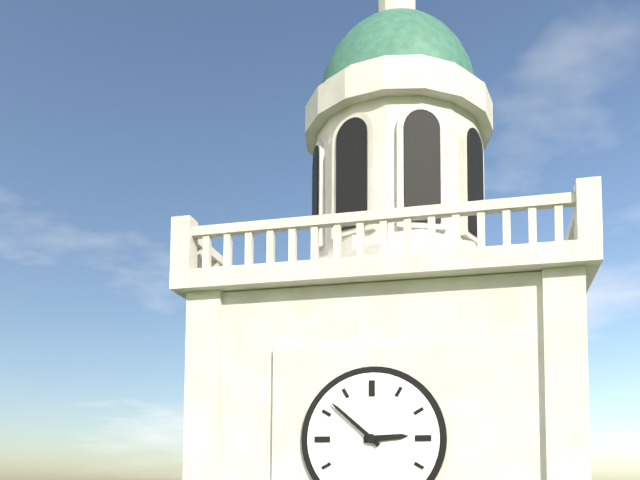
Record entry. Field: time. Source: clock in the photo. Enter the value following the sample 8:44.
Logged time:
2:52
